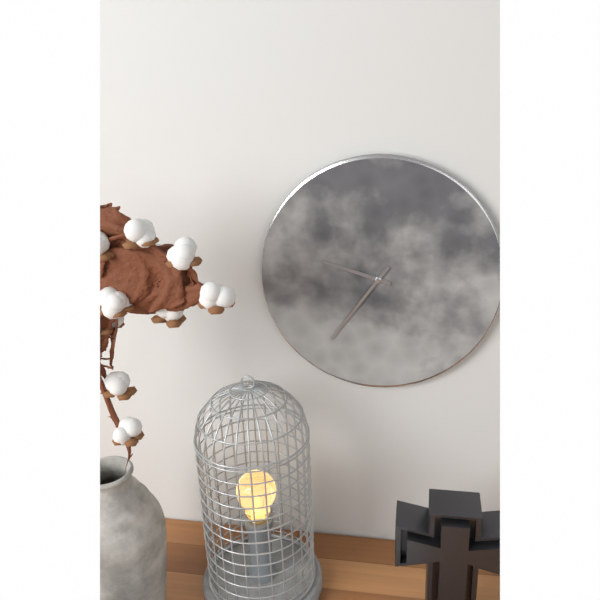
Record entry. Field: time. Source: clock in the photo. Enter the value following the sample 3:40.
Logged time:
9:36
